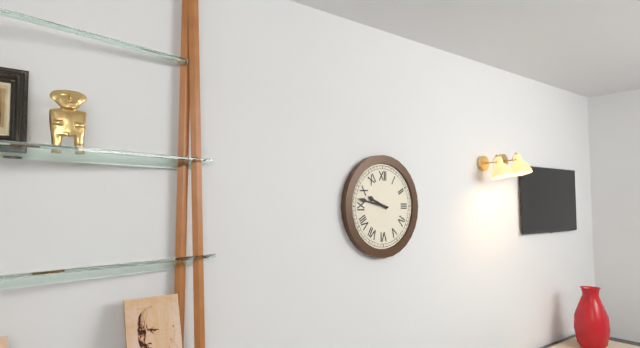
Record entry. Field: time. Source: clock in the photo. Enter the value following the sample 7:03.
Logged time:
9:47
